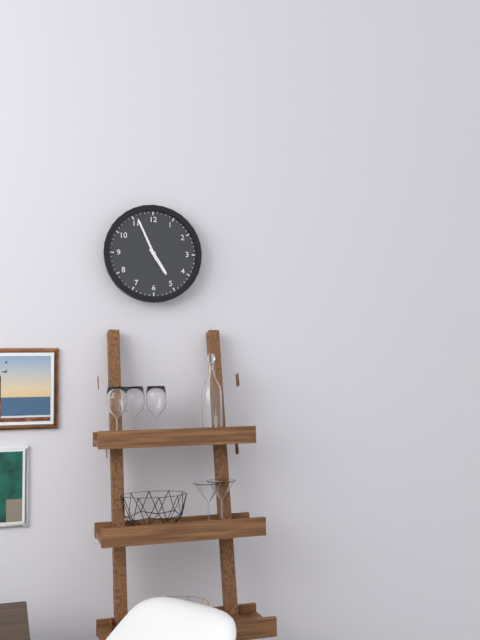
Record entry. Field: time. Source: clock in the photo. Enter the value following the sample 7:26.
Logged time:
4:56
